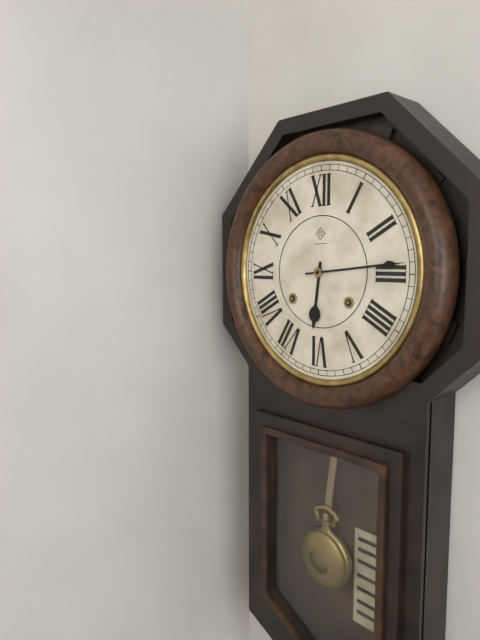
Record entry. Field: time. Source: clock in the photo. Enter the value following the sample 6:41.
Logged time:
6:14
